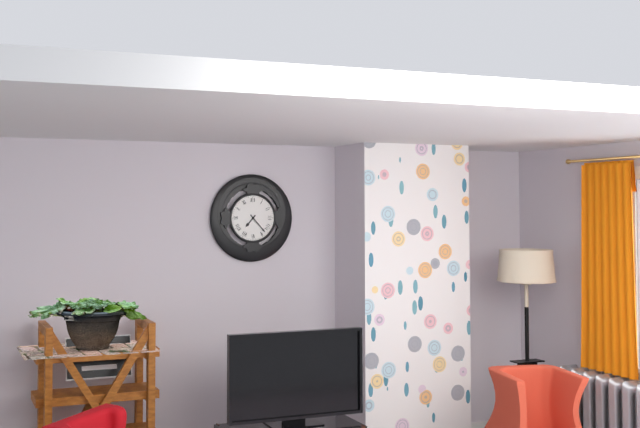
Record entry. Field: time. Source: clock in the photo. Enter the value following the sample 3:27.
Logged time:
7:23
